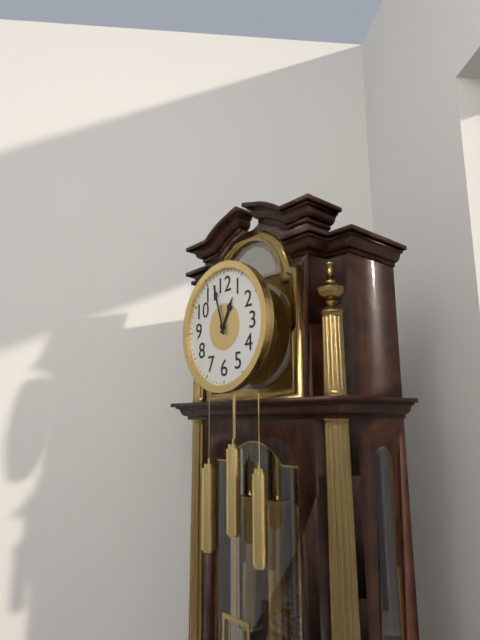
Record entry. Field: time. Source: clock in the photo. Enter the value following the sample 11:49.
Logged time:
12:57
